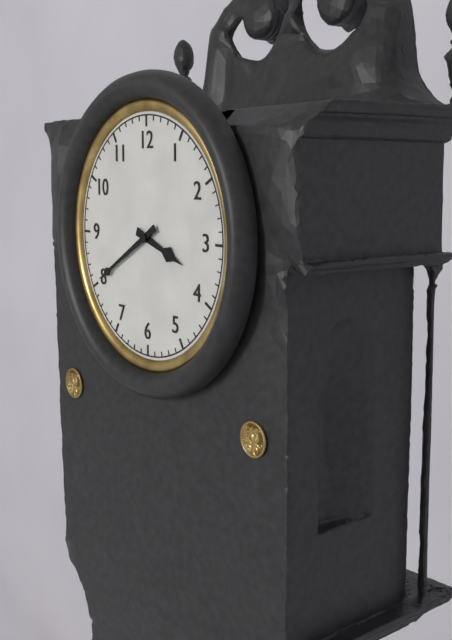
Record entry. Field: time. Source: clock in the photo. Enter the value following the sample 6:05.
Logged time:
3:40
